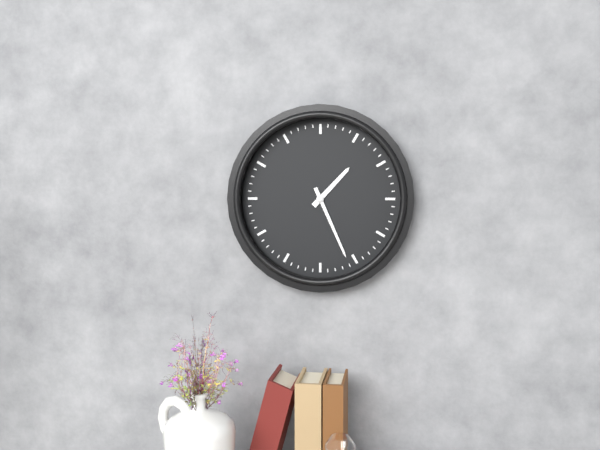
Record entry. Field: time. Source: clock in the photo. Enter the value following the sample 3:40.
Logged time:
1:26
